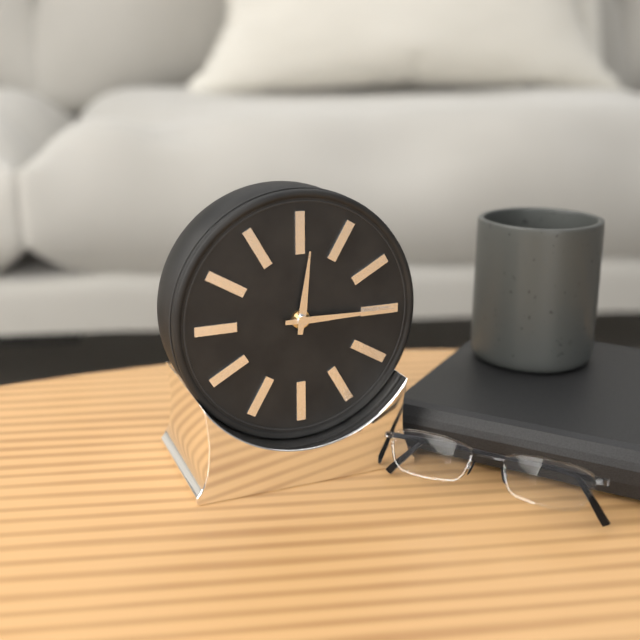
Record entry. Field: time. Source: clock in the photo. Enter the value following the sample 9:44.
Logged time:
12:15
